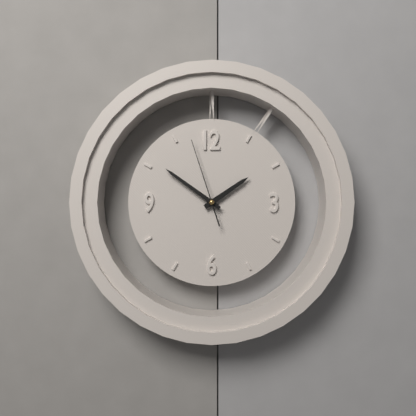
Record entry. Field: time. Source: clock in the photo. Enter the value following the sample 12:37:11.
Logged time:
1:51:57
